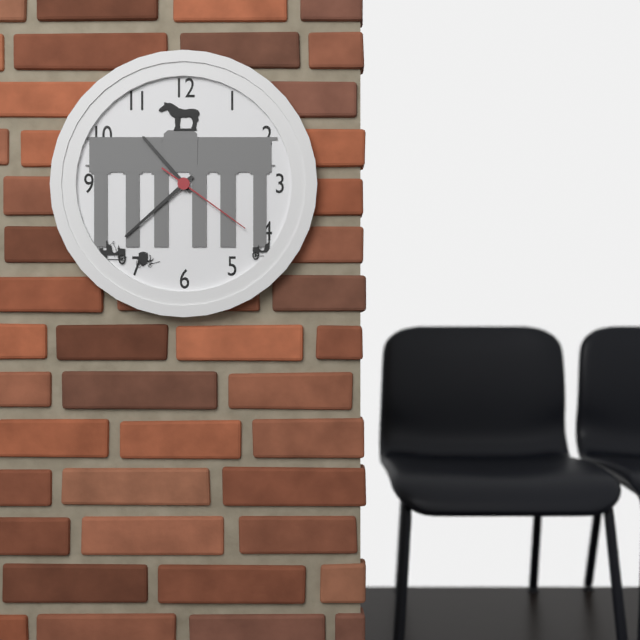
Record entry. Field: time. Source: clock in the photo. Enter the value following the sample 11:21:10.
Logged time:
10:38:21
